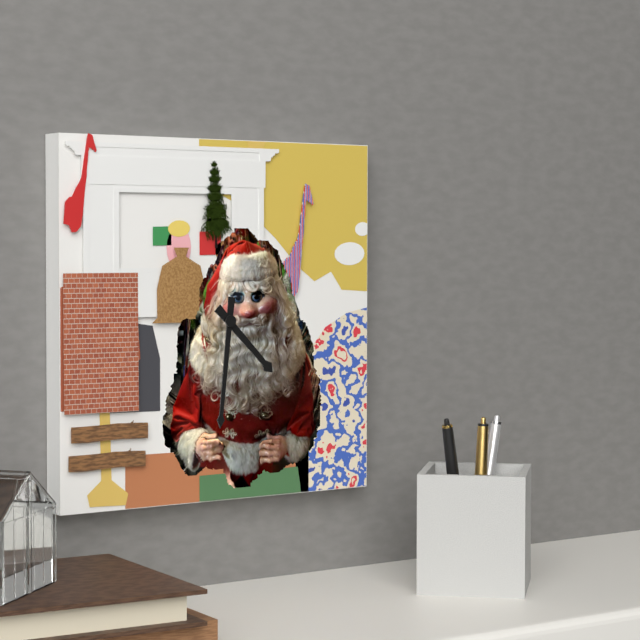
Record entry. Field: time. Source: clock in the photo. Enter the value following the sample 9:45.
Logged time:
4:31
